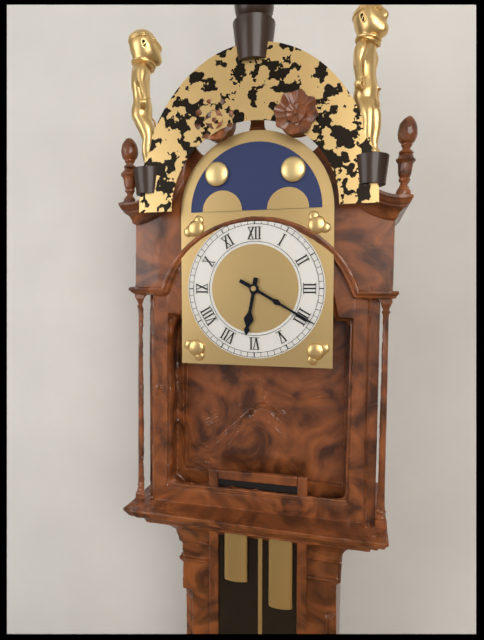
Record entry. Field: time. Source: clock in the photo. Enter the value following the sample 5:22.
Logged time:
6:20
